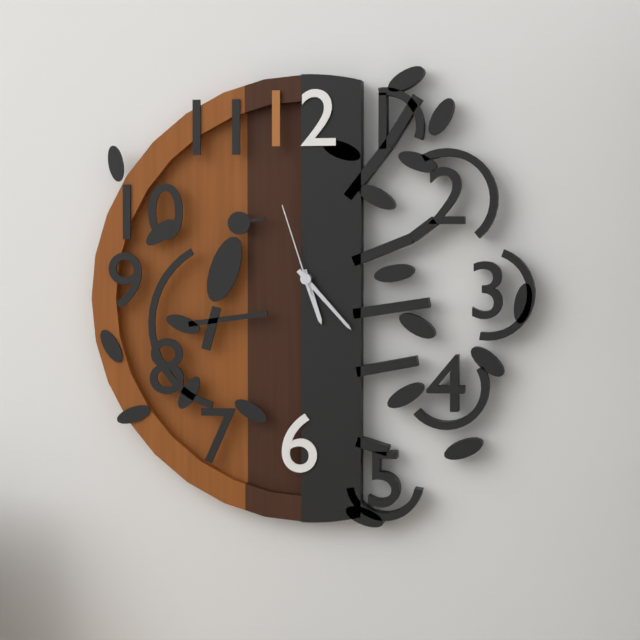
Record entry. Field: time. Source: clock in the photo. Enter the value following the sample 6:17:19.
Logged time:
5:23:57
